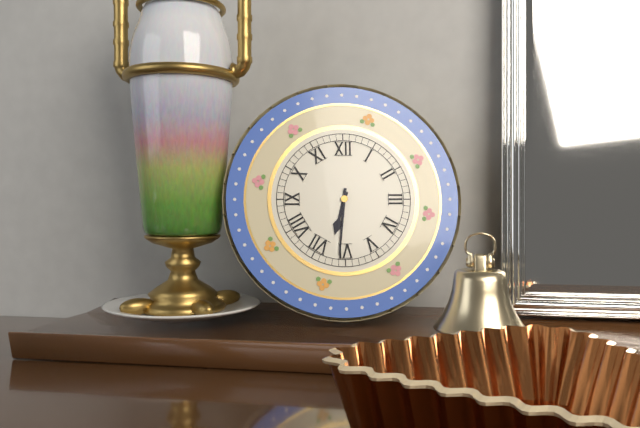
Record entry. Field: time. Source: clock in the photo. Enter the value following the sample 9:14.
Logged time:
6:31
